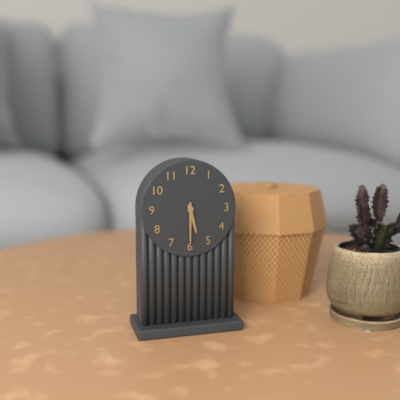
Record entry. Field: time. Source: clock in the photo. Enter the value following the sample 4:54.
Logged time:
5:30
